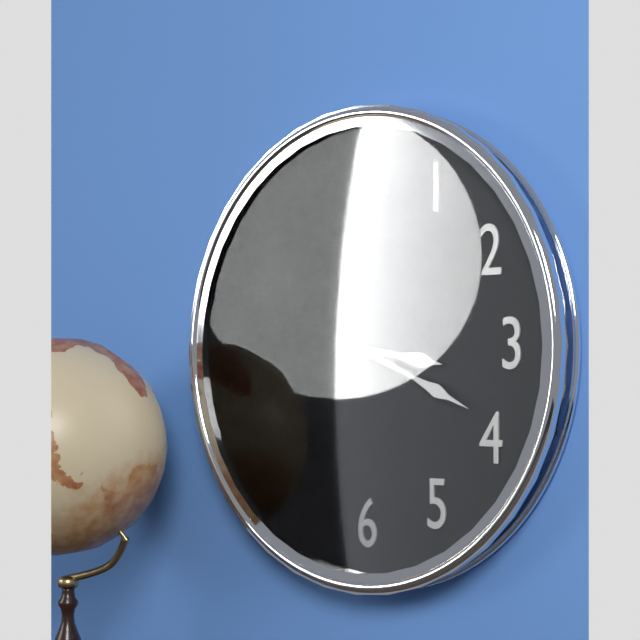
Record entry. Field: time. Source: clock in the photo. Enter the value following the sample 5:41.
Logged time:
3:19
